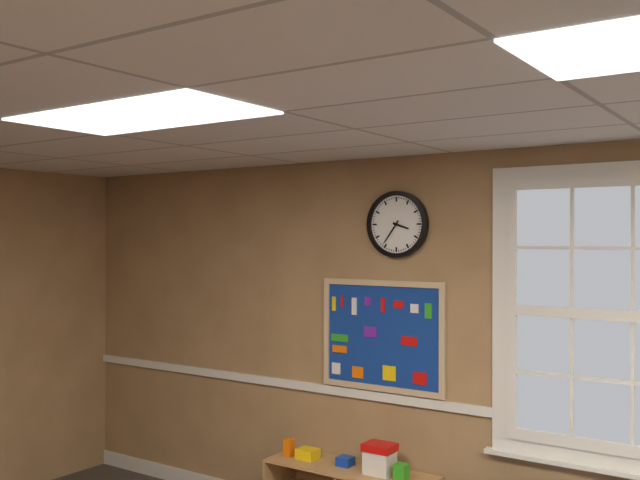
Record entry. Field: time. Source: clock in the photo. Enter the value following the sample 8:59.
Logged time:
3:36
